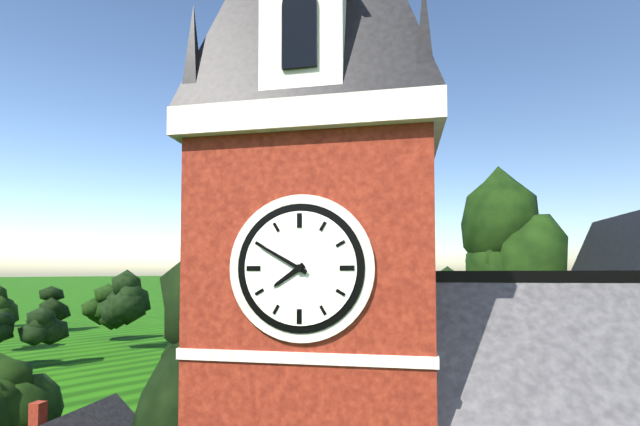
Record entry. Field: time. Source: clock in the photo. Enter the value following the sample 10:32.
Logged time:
7:50
